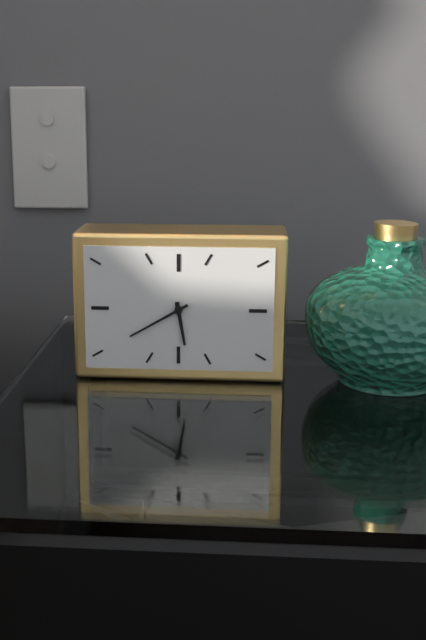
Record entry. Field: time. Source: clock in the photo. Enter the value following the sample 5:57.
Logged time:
5:40
